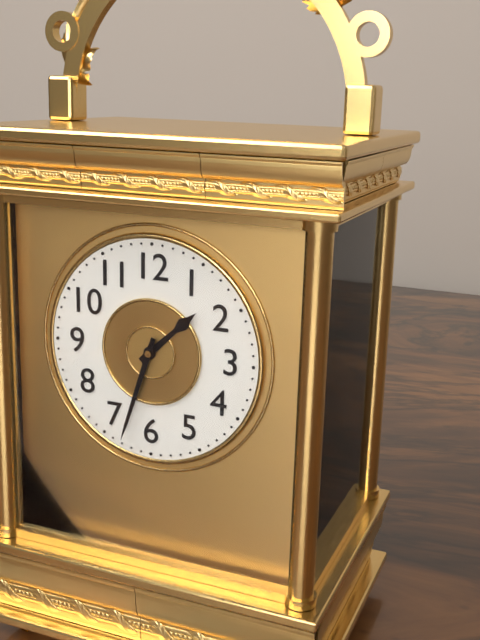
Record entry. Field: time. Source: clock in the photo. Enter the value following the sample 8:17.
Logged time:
1:33
